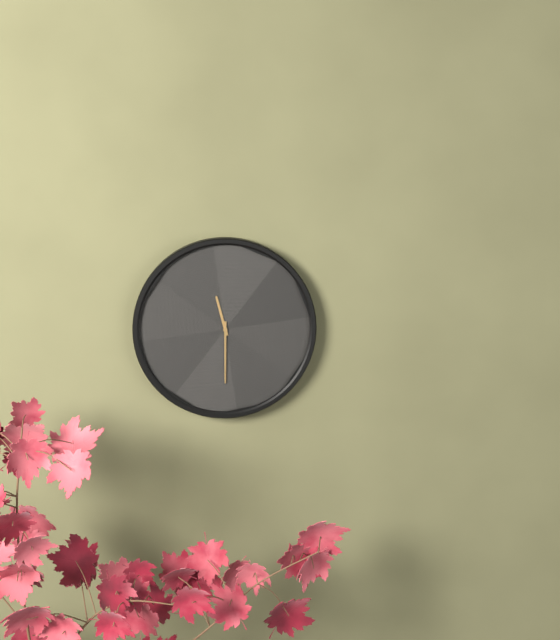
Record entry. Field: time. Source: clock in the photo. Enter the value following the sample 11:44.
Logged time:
11:30
